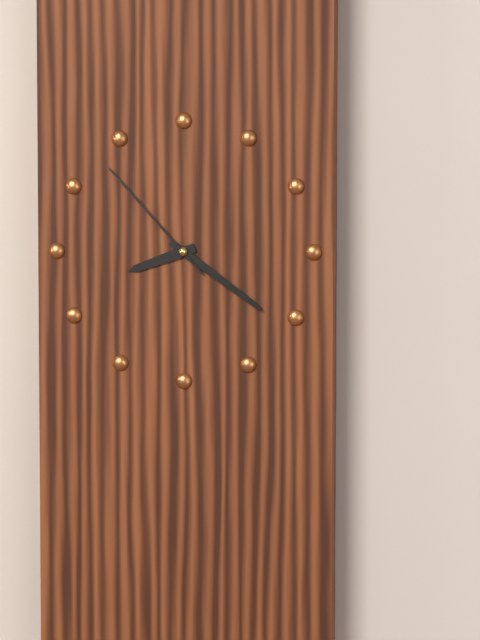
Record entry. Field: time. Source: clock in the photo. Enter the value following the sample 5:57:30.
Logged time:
8:21:53
